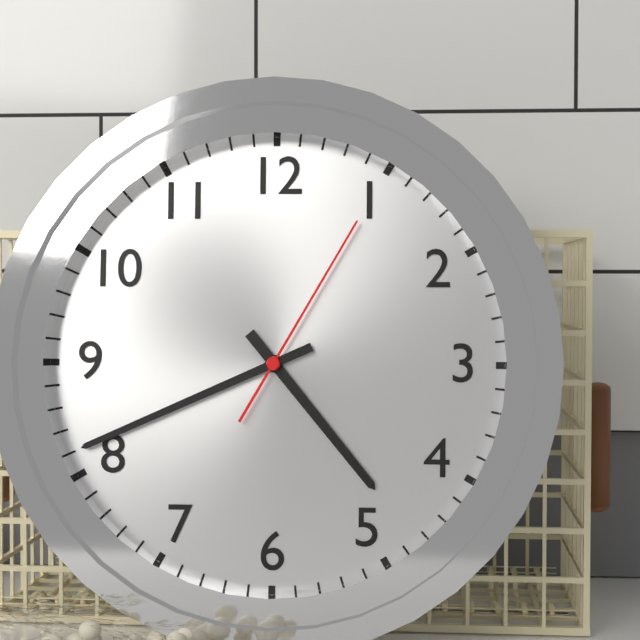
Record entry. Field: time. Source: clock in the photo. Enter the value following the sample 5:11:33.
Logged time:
4:41:05
